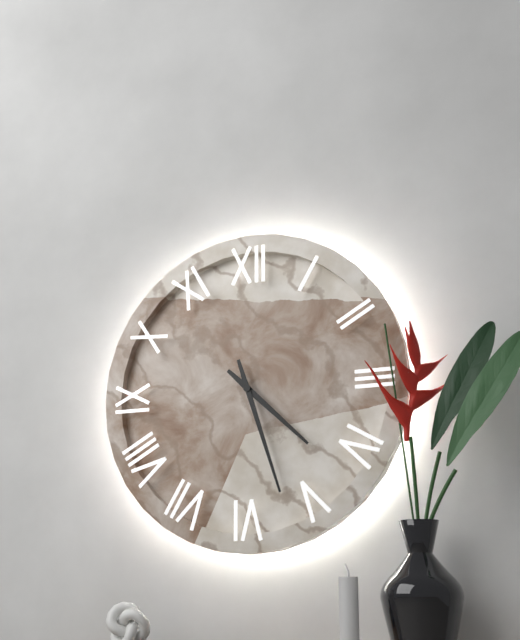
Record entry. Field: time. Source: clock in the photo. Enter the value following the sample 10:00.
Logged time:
4:27
